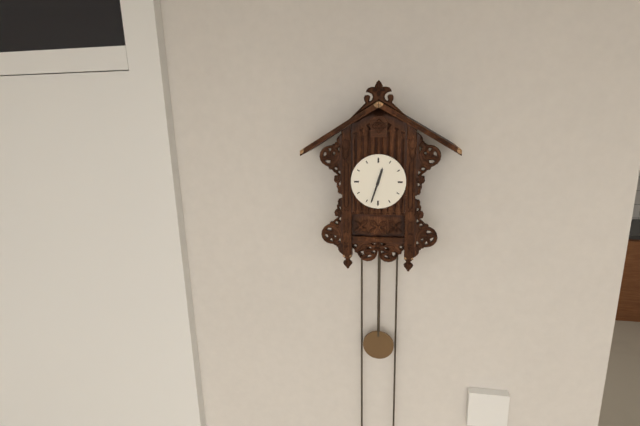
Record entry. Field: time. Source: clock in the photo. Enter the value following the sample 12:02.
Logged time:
12:33
